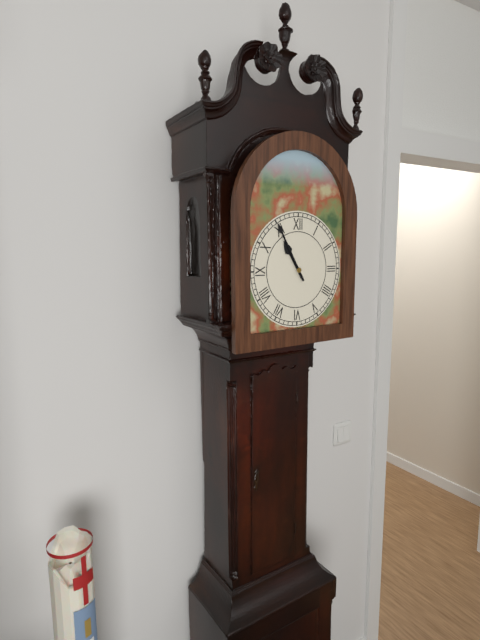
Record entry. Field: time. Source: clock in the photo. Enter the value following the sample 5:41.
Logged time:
10:55
